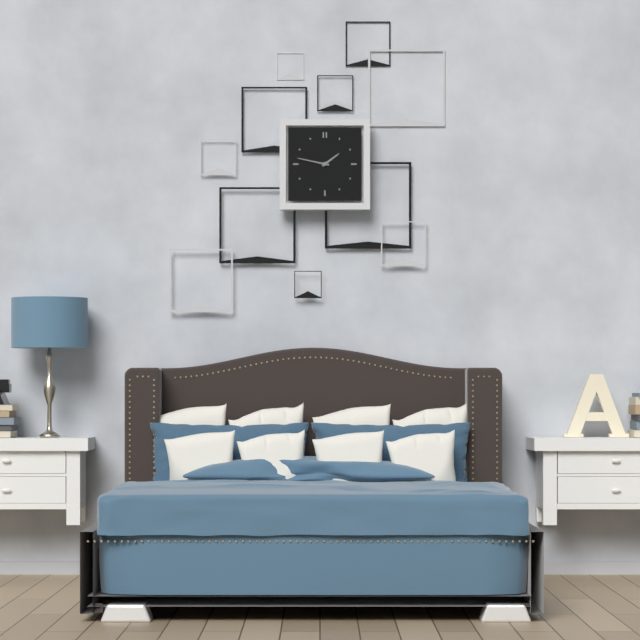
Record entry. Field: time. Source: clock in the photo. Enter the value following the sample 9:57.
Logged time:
1:47
